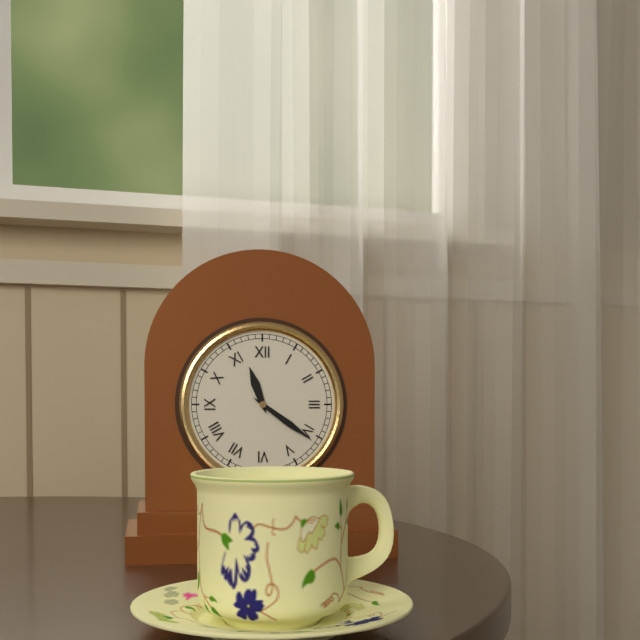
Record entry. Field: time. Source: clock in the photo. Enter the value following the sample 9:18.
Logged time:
11:21
